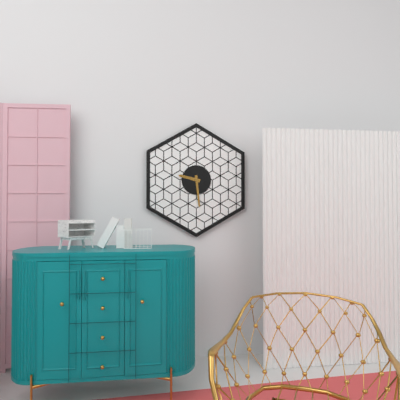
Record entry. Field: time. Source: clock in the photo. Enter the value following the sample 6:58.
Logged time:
9:29
